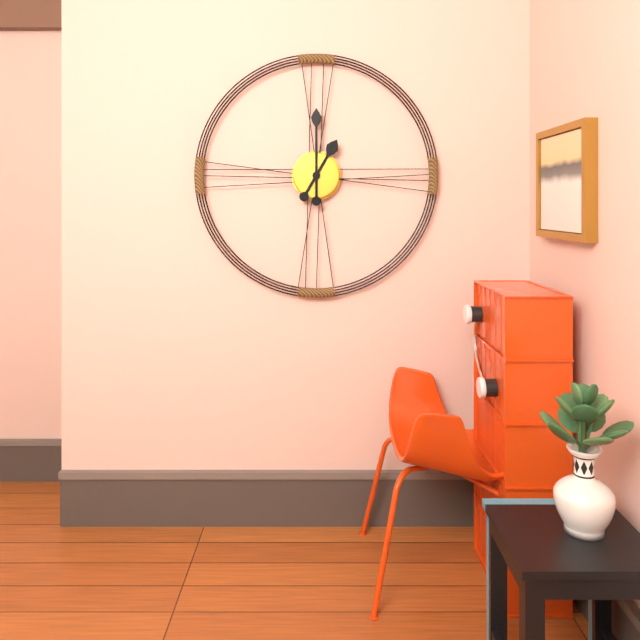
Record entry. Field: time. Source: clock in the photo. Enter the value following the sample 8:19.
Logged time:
1:00
